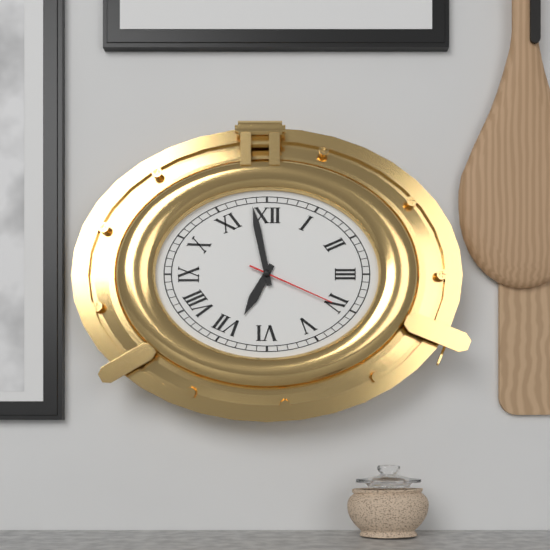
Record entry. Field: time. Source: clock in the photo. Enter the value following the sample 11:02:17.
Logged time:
6:58:19
